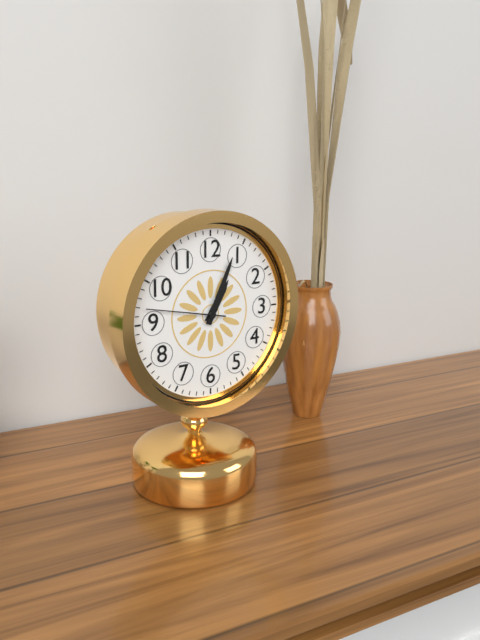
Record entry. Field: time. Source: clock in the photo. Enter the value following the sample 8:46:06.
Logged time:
1:04:47
